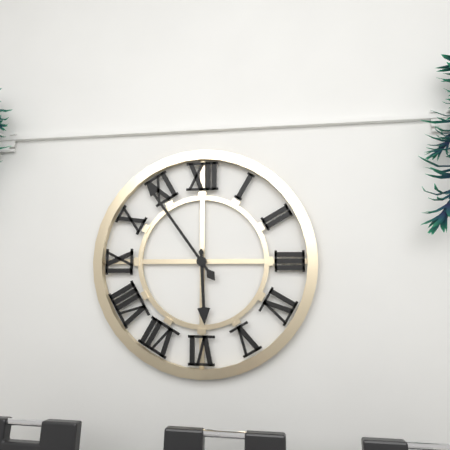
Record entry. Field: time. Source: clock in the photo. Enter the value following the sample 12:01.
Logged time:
5:54
